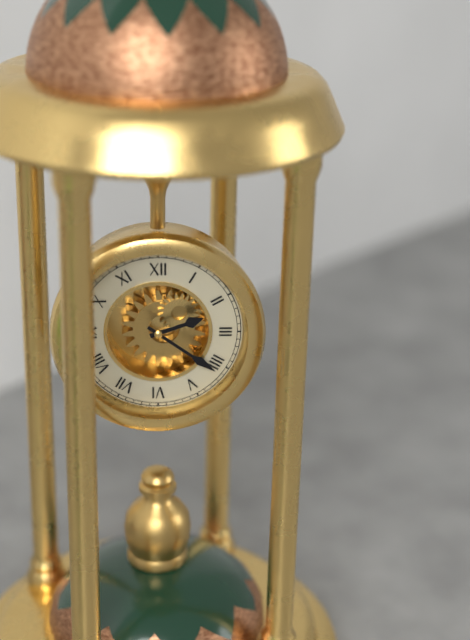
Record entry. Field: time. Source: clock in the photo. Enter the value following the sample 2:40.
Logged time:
2:21
